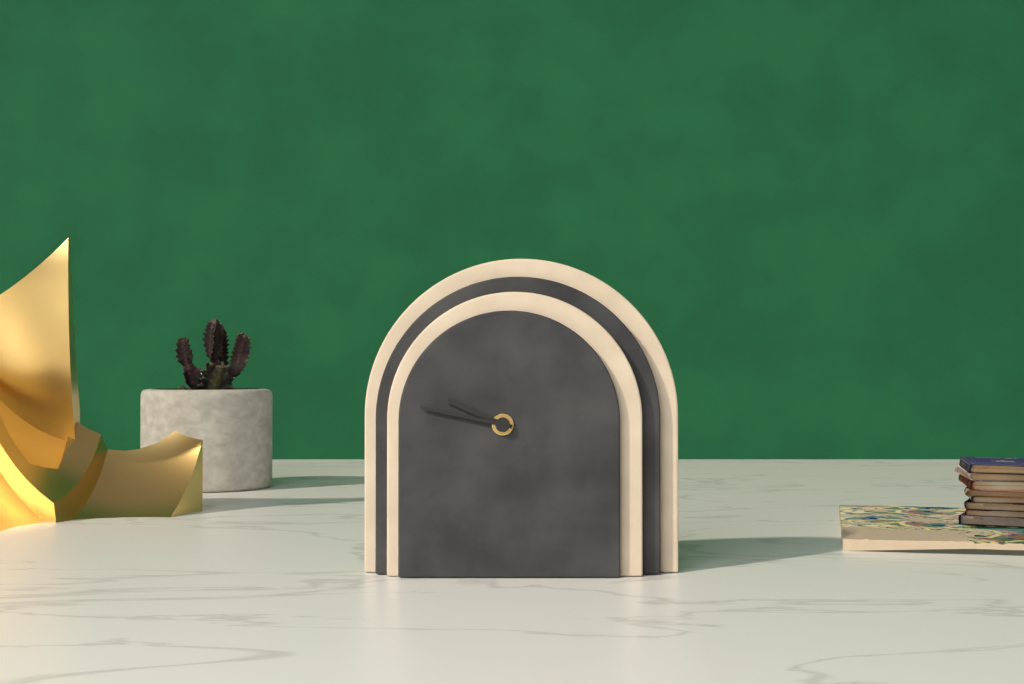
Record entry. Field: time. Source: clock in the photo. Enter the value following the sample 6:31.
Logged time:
9:47
